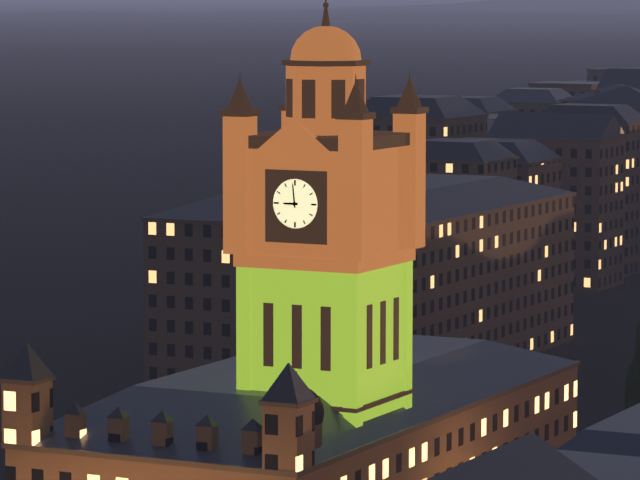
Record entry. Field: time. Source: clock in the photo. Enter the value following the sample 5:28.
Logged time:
8:59
